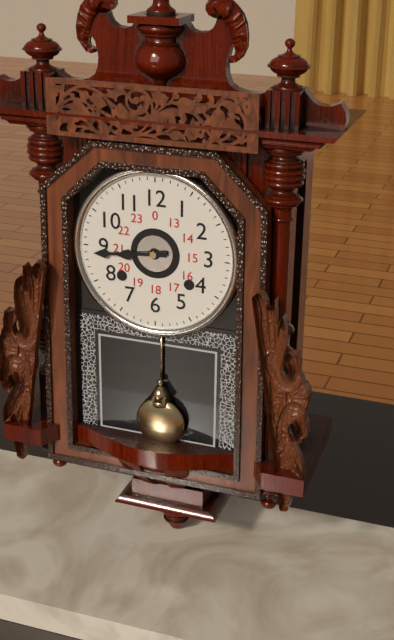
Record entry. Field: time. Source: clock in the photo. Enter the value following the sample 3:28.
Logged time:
8:44
